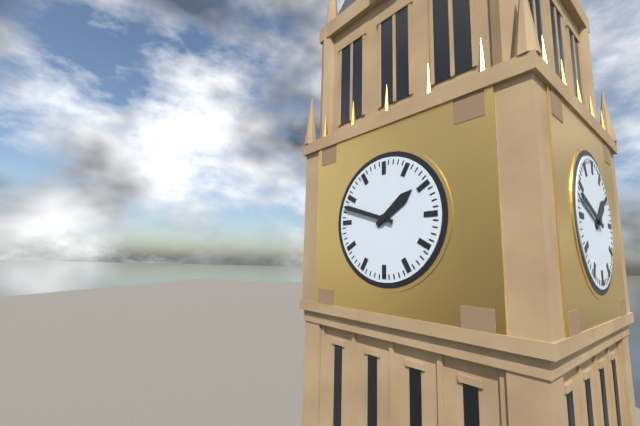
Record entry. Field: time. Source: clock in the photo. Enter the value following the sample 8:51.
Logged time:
1:48
